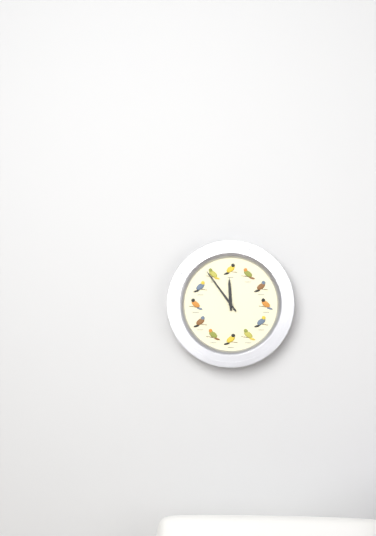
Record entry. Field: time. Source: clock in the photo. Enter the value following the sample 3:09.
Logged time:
11:54
